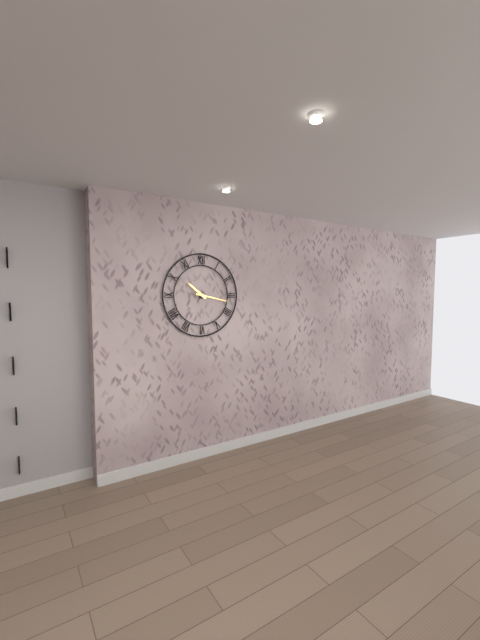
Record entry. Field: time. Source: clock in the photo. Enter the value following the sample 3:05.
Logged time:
10:17
